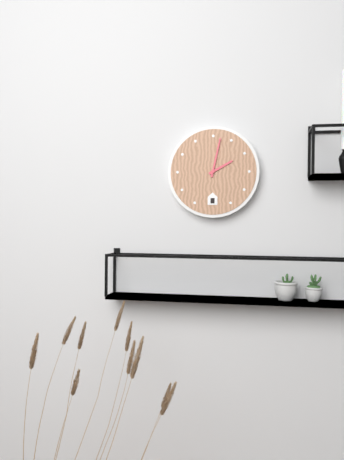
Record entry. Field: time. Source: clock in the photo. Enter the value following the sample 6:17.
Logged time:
2:02
